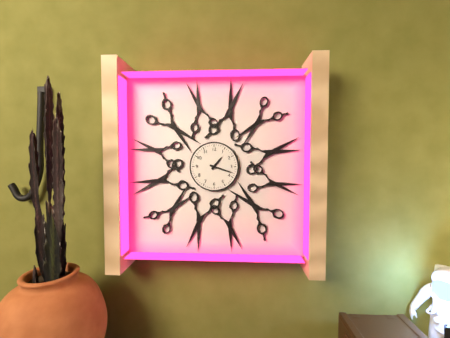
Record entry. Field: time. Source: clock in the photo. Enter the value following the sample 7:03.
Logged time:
1:18
